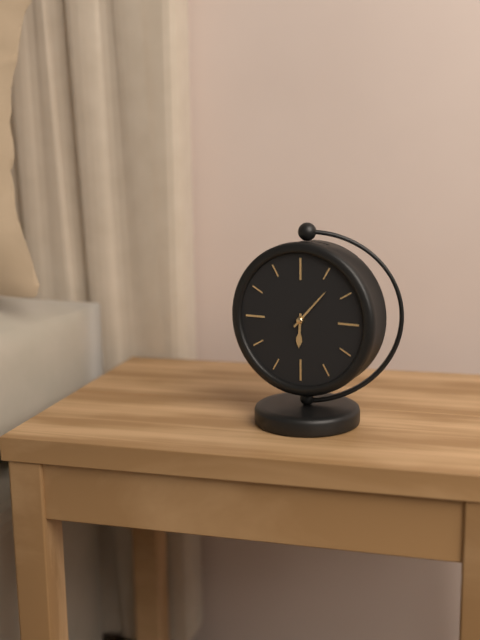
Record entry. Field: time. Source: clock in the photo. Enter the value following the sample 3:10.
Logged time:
6:07
